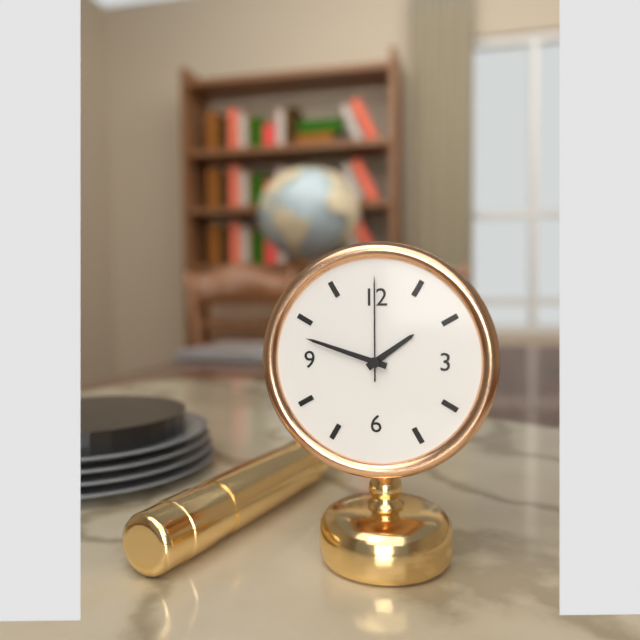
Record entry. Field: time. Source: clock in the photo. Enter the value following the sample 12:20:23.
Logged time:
1:48:00
